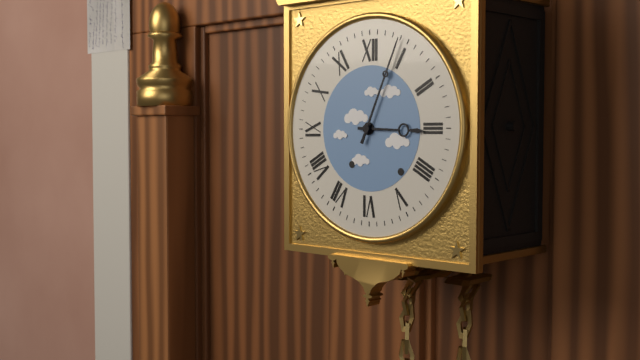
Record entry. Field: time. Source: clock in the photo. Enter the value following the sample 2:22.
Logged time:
3:04
